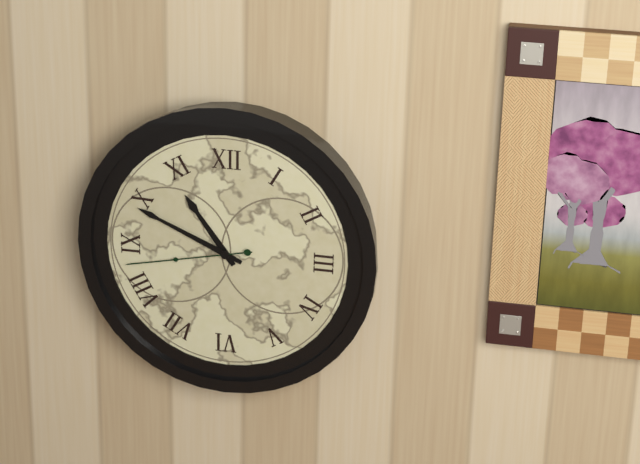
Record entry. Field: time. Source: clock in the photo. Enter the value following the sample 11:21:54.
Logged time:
10:49:43
